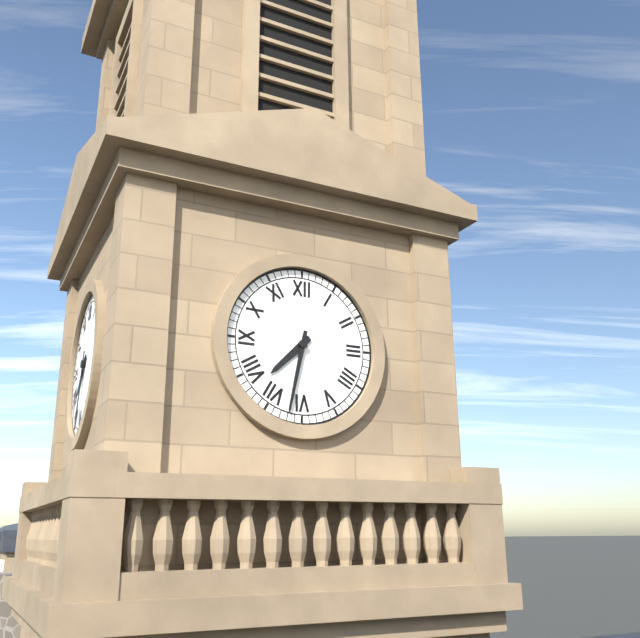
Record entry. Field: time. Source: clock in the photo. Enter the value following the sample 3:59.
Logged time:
7:32
